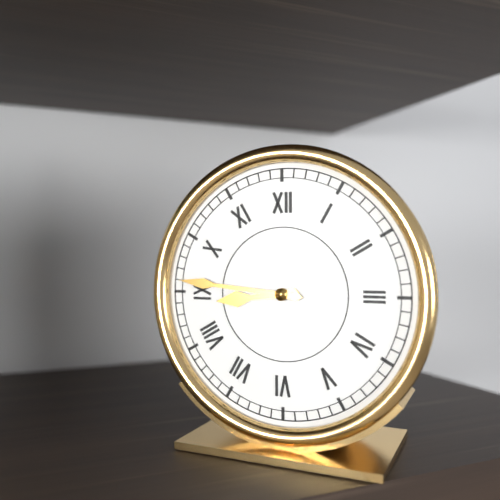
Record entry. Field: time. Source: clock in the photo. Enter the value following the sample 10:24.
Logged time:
8:46
